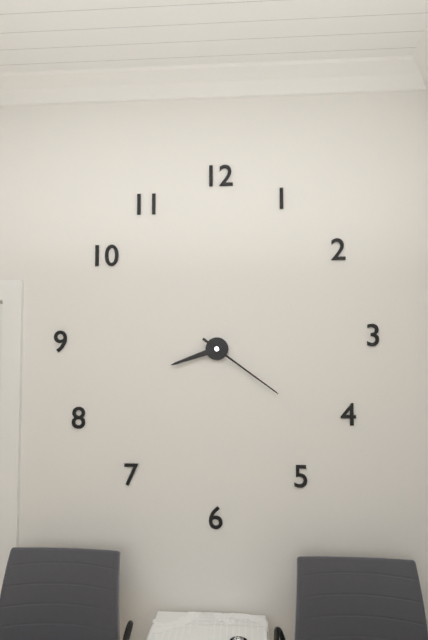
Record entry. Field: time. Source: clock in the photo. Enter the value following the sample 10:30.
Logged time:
8:21
